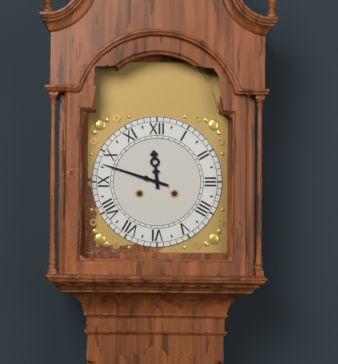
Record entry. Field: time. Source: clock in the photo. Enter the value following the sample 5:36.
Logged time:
11:48
